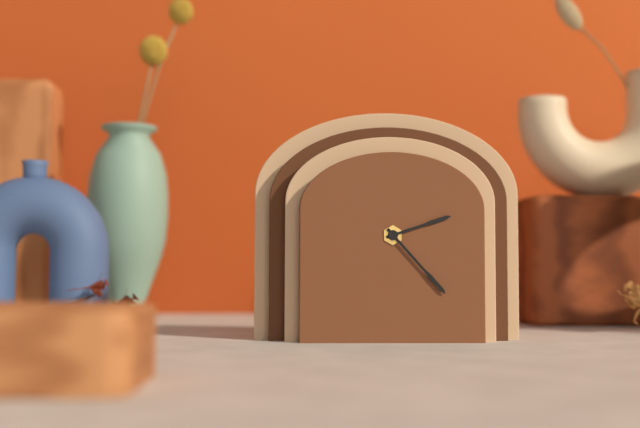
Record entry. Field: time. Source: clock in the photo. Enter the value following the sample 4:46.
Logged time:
2:23
